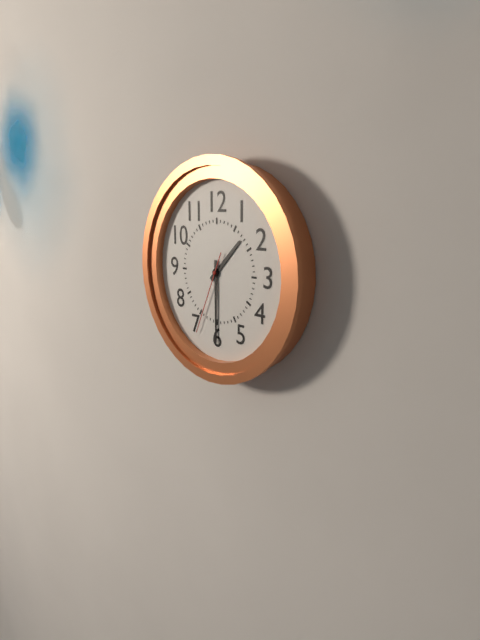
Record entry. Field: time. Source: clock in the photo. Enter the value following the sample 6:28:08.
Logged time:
1:30:34
